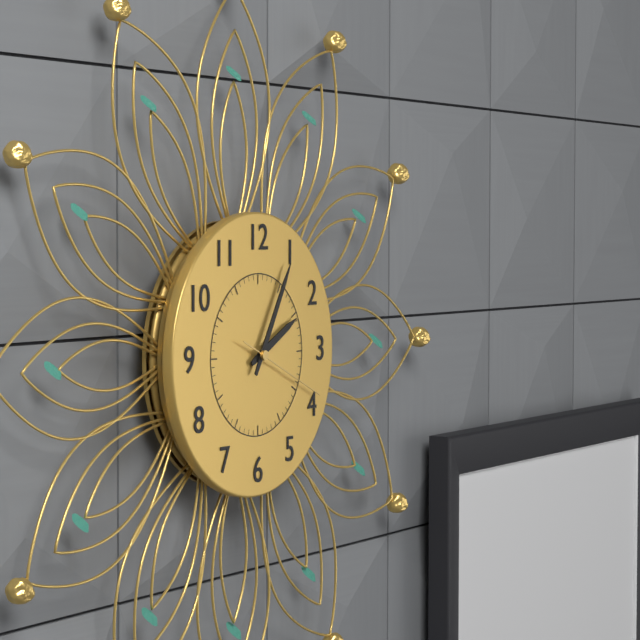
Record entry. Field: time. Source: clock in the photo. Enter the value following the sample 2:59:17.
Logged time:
2:05:19
